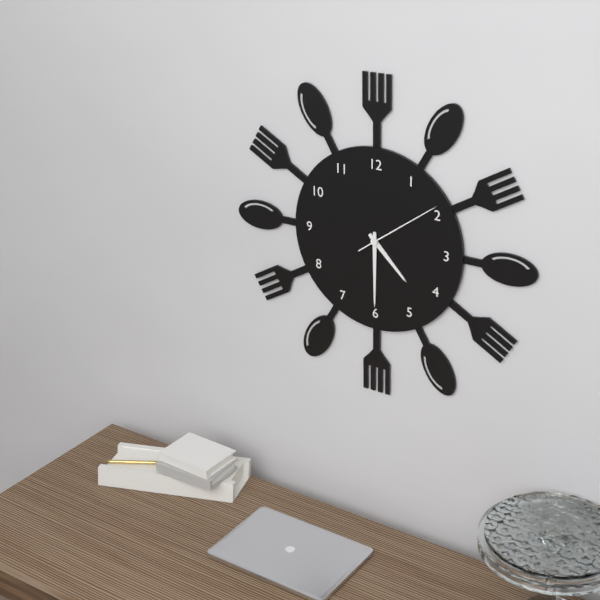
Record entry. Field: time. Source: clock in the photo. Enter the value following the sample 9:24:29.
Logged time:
4:30:09
